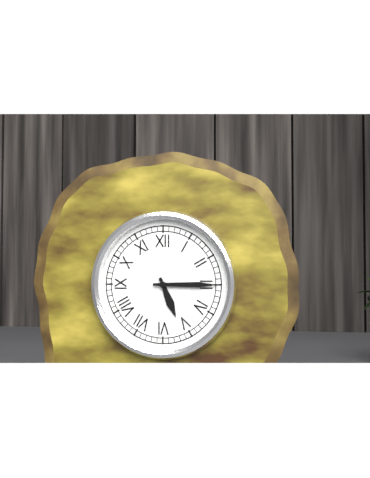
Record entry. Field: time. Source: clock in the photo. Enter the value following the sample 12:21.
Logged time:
5:15
